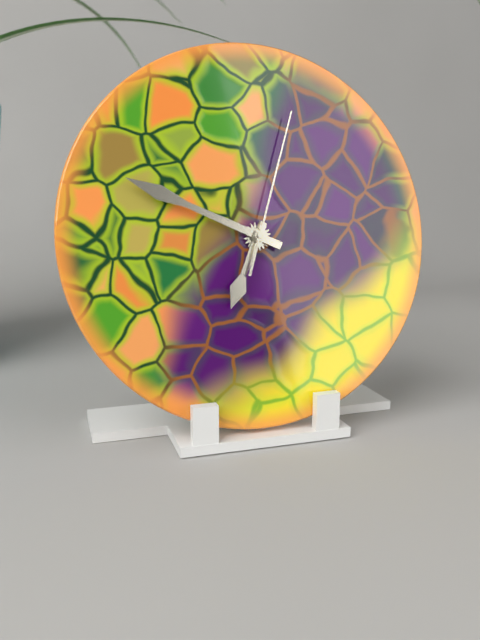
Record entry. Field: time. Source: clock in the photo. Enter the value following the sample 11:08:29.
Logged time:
6:49:03
